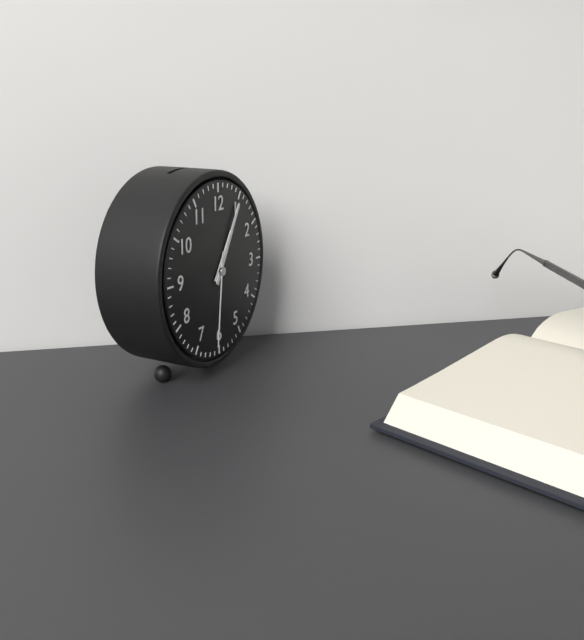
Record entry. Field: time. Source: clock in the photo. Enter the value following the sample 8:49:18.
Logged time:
1:05:31
